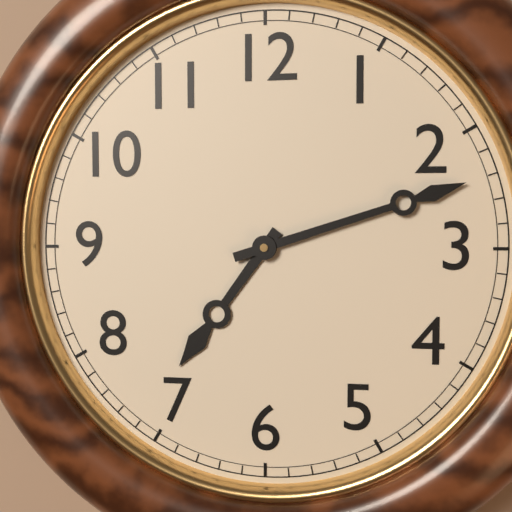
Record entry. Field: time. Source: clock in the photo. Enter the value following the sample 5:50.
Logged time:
7:12
